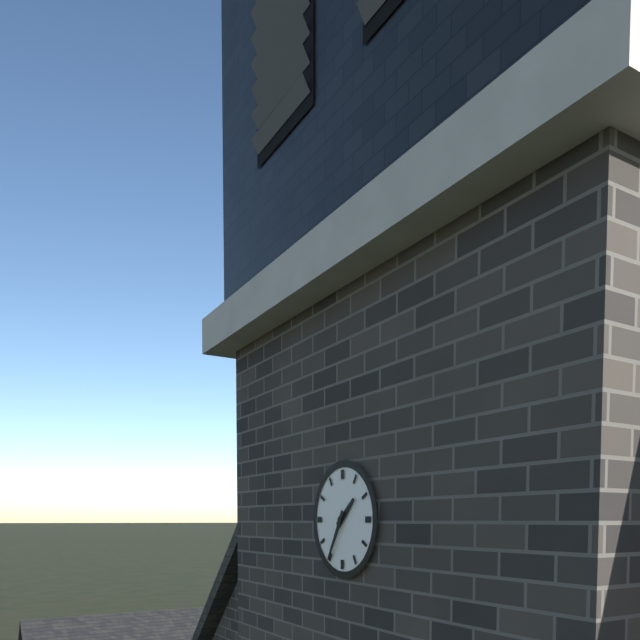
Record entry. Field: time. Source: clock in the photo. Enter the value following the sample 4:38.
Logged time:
1:35
